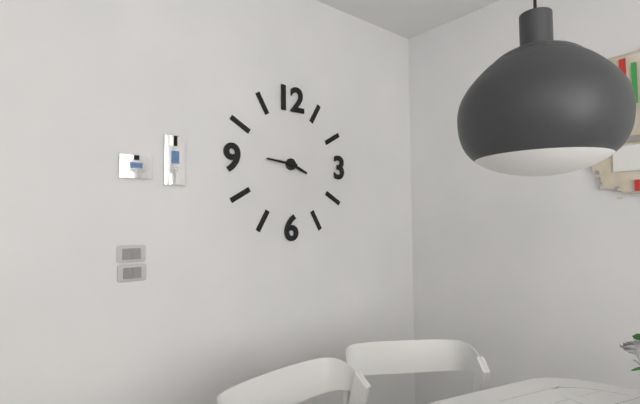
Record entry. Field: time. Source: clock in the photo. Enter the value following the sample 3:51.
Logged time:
3:46
